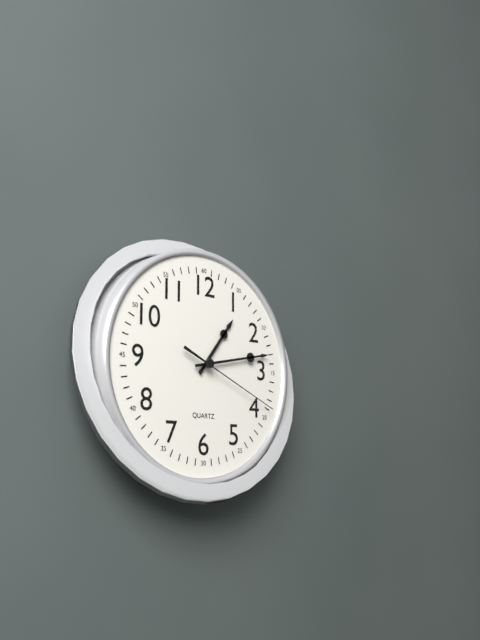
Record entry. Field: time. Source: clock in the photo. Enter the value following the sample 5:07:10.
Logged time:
1:13:19
